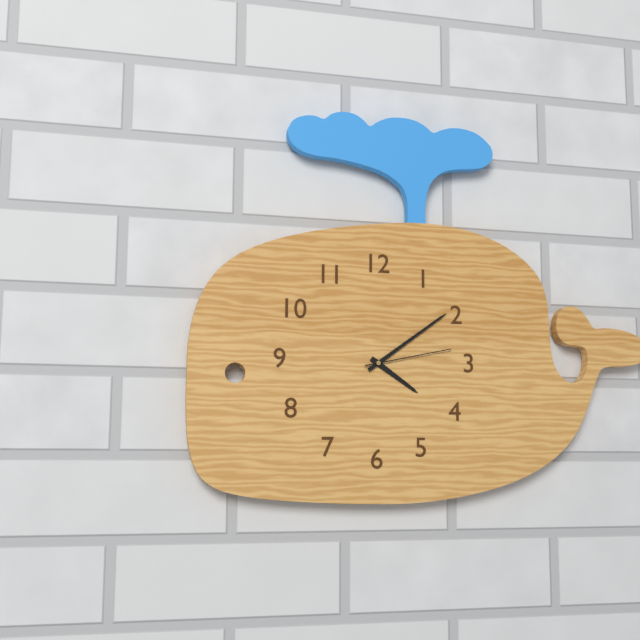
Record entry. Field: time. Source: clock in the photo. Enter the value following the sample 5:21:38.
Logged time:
4:09:13
